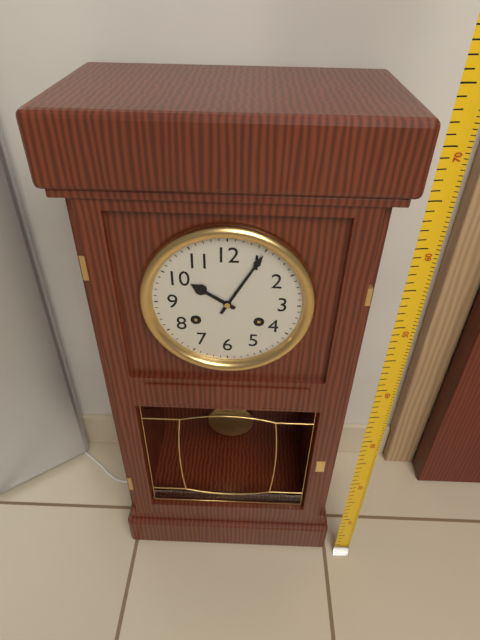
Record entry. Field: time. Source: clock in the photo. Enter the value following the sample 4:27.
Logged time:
10:05
